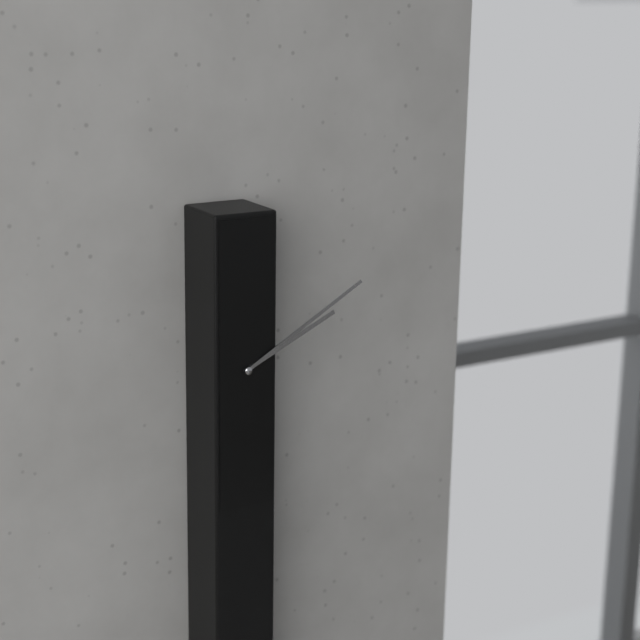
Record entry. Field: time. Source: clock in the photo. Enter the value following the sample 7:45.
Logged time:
2:10
